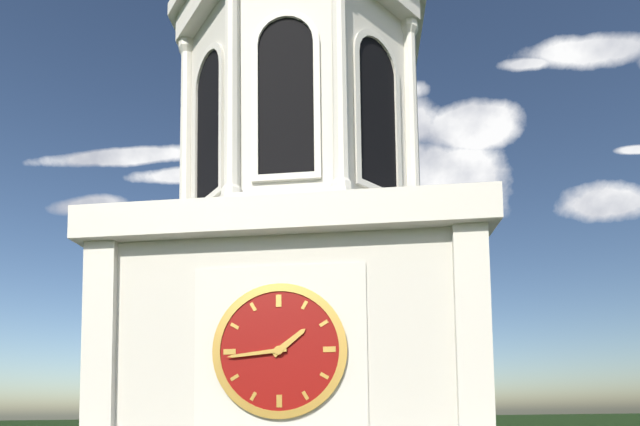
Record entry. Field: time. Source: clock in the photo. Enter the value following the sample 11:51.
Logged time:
1:44
